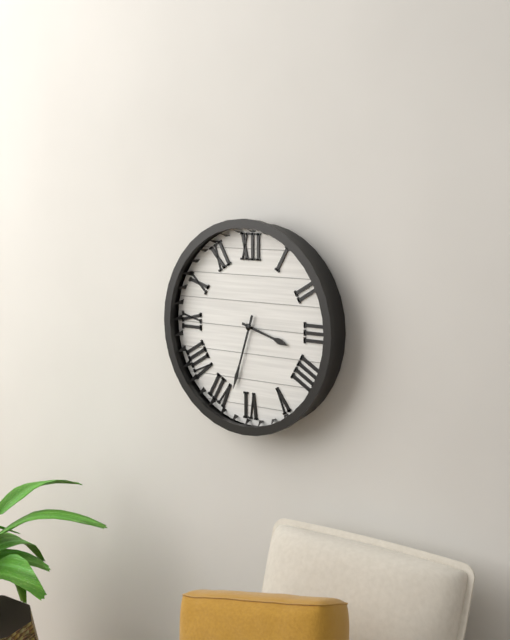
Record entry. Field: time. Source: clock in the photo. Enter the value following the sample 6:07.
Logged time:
3:33
